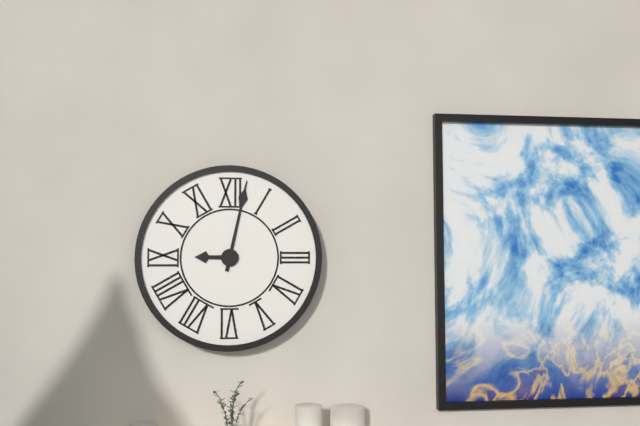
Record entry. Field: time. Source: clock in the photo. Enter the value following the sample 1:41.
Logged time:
9:02
